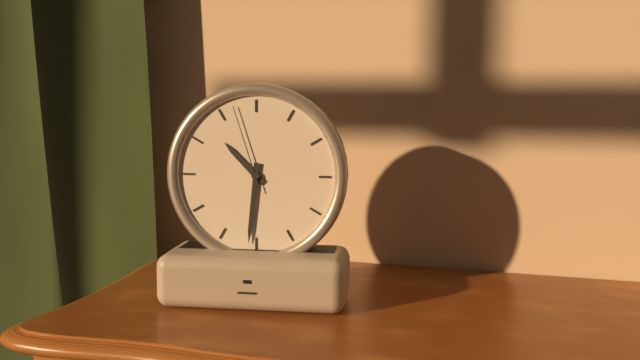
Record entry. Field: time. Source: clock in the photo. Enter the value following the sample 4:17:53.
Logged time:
10:31:57
